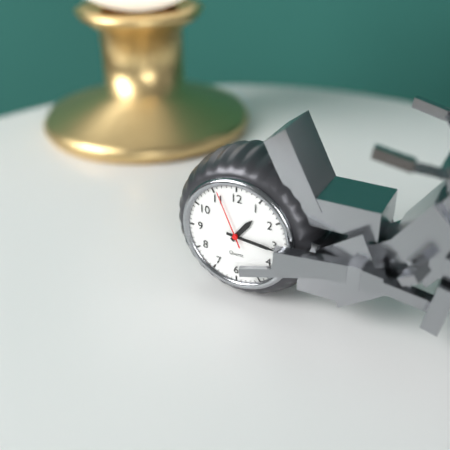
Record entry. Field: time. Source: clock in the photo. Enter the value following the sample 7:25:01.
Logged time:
1:16:56
